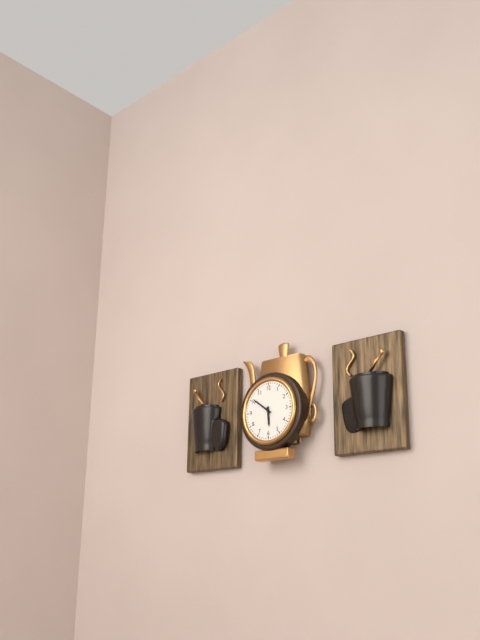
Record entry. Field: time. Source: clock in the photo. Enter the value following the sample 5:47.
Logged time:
5:51
